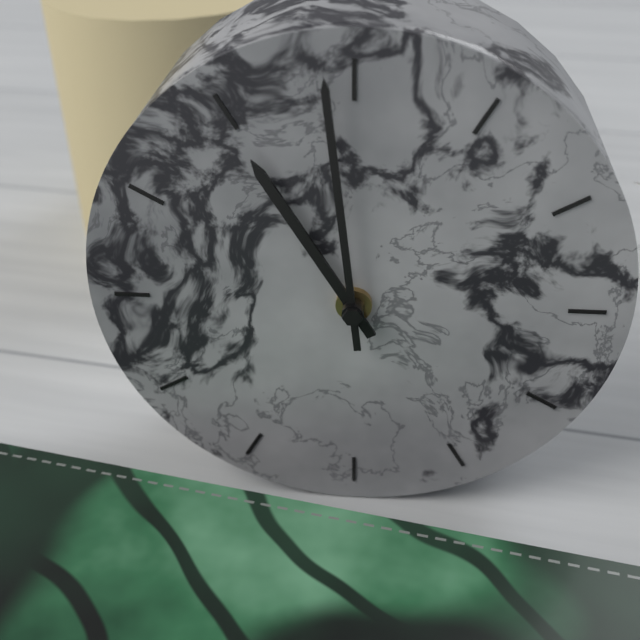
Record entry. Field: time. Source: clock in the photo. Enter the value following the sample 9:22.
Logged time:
10:59
